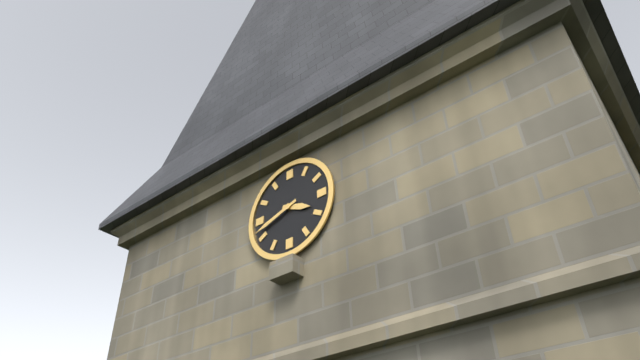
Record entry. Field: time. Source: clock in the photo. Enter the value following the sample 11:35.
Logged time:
3:42
